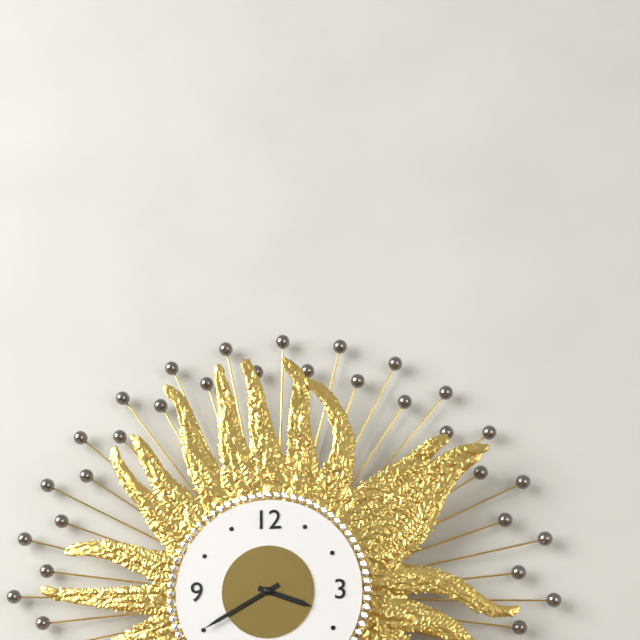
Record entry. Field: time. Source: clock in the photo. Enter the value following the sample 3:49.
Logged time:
3:40
